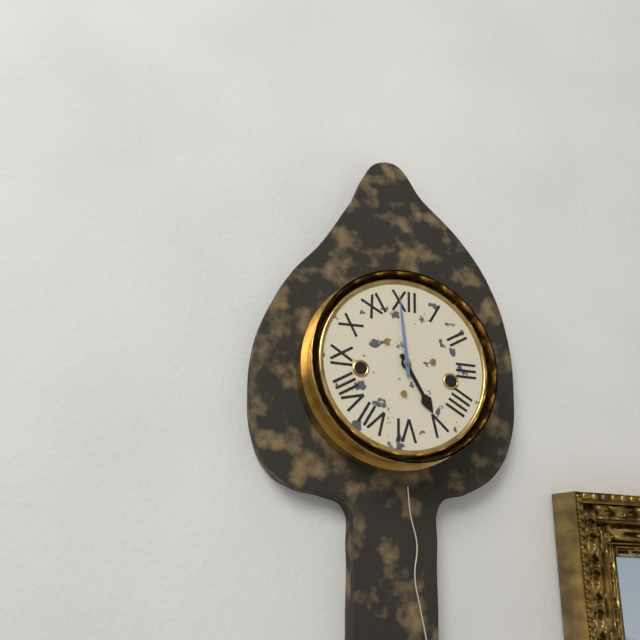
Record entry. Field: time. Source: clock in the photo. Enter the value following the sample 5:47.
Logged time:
4:59
